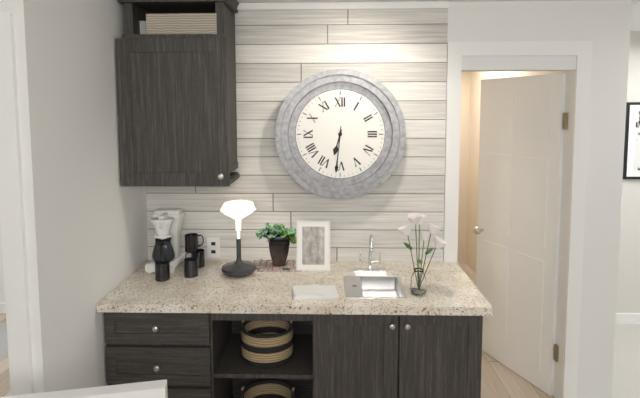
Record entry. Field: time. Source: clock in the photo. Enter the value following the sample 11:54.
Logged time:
6:31
